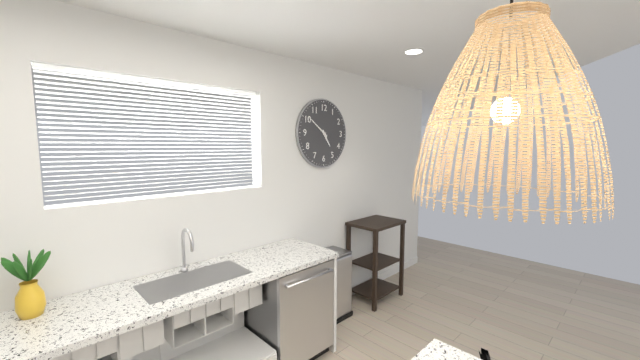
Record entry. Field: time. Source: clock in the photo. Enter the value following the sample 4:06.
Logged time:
4:51
